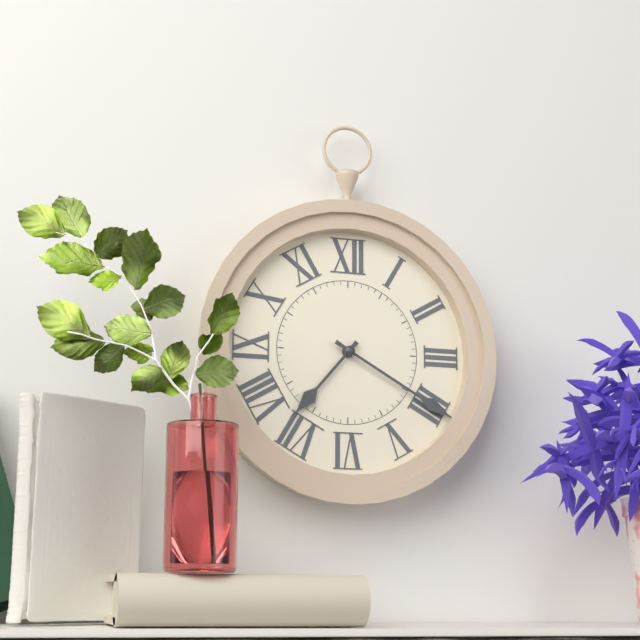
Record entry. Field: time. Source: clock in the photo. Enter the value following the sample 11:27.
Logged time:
7:20
